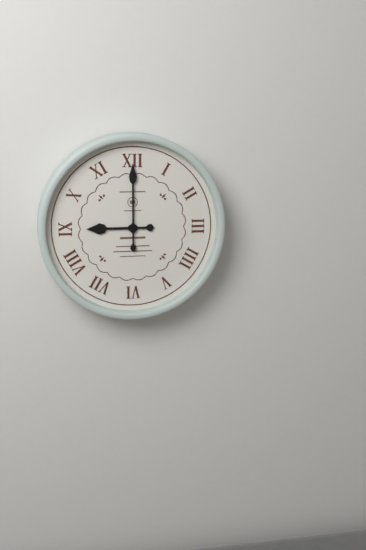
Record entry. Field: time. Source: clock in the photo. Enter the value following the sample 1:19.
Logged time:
9:00
